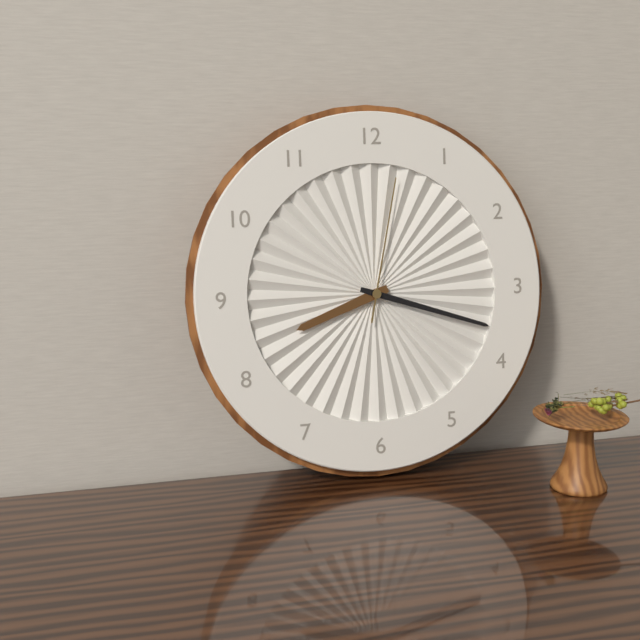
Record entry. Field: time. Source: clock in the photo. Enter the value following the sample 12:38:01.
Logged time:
8:18:02
